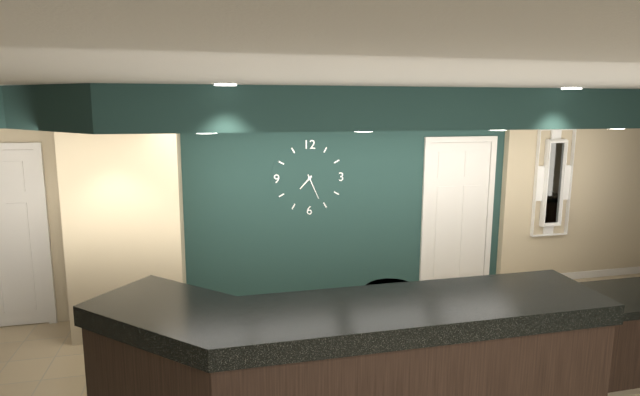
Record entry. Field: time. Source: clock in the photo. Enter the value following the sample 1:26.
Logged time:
7:26
